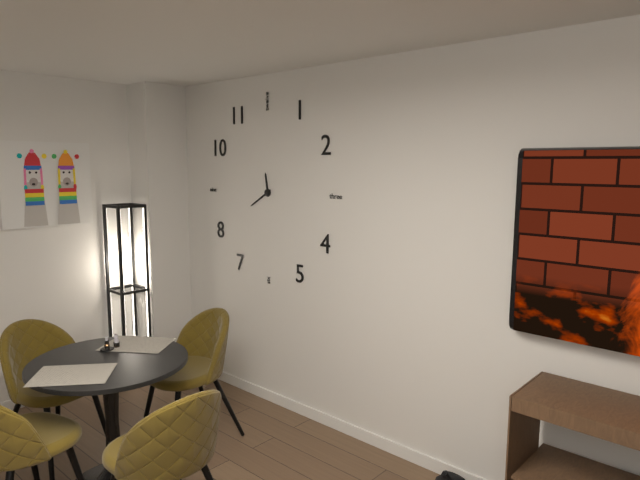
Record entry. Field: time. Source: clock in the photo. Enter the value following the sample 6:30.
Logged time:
11:40
